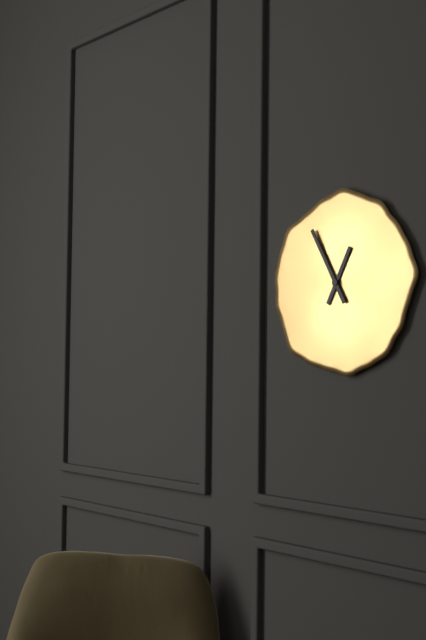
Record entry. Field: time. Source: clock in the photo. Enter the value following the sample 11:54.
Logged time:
12:55
